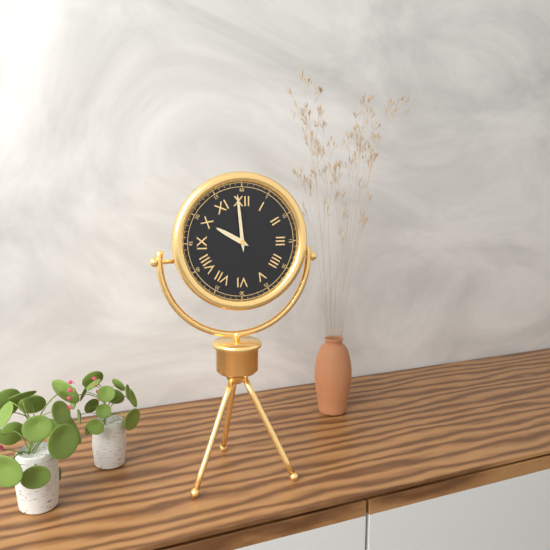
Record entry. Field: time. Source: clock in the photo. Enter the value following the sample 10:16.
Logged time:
9:59
